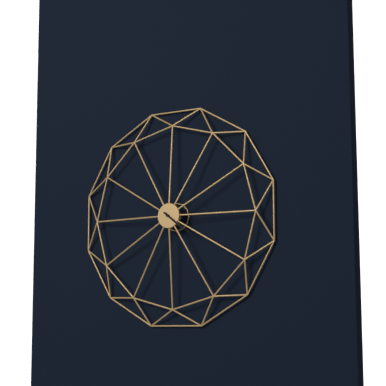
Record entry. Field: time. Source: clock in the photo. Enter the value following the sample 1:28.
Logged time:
4:21
